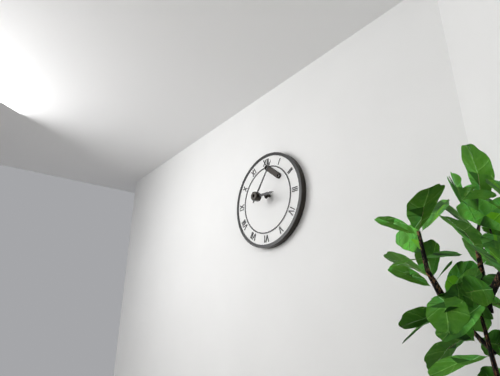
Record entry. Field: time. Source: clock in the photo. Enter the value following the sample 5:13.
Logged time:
3:06
